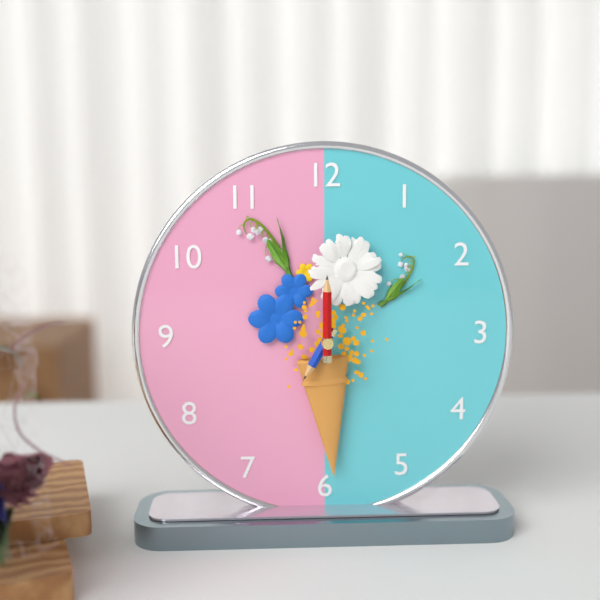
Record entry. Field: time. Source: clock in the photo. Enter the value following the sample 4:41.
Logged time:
7:00
